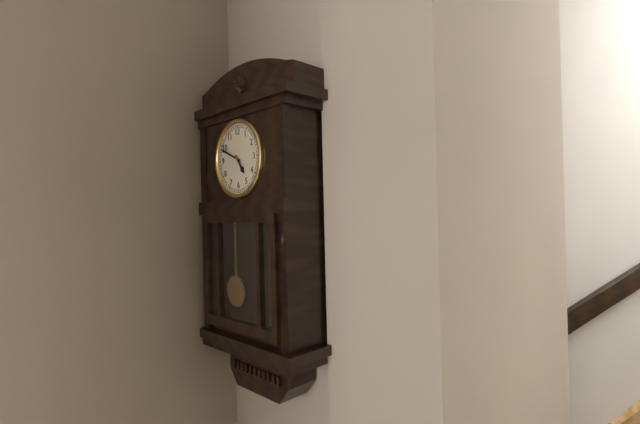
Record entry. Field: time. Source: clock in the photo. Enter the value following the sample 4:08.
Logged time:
4:49
